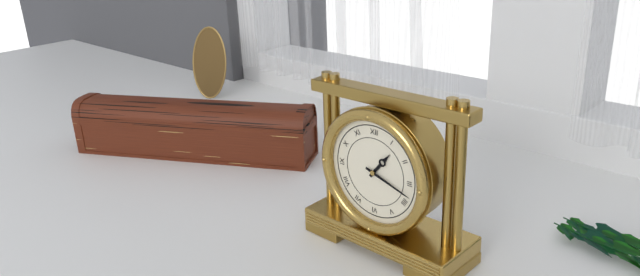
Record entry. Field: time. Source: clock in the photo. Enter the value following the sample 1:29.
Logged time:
1:18
